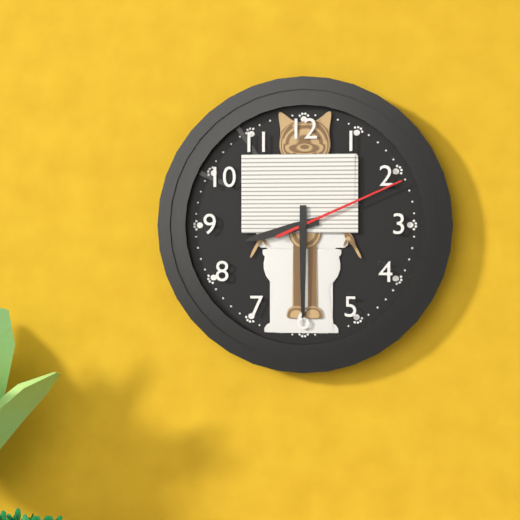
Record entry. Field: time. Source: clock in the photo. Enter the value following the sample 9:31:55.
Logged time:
8:30:11
